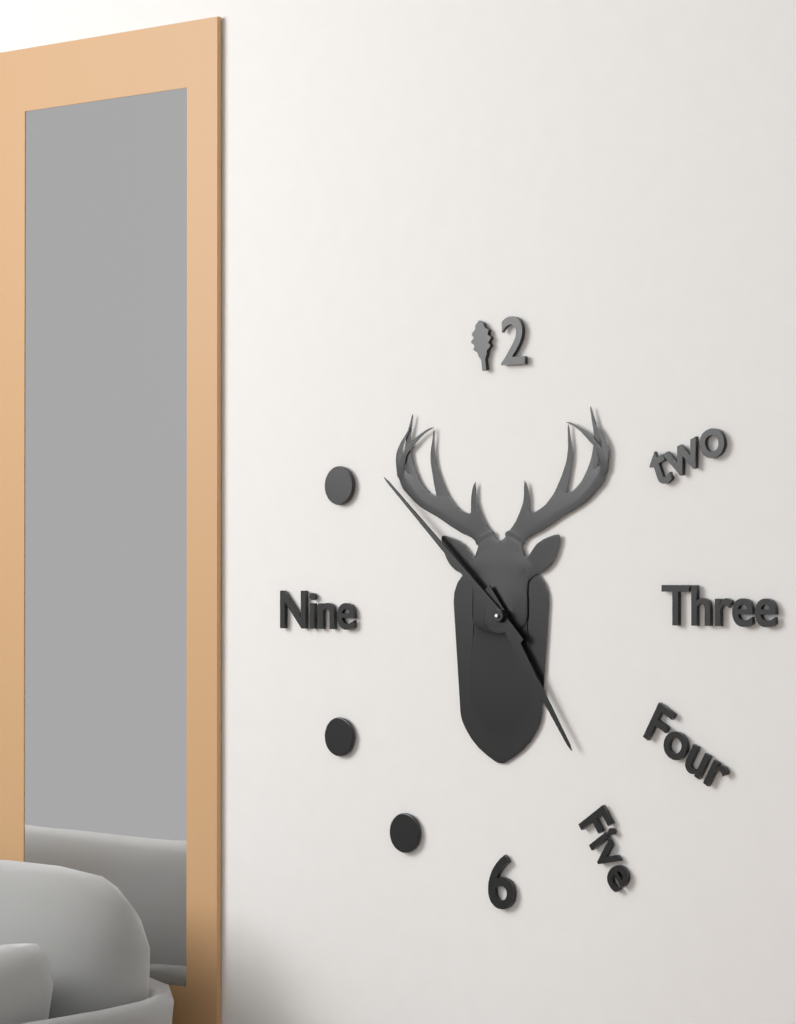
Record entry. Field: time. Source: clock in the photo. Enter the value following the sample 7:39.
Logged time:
4:52
